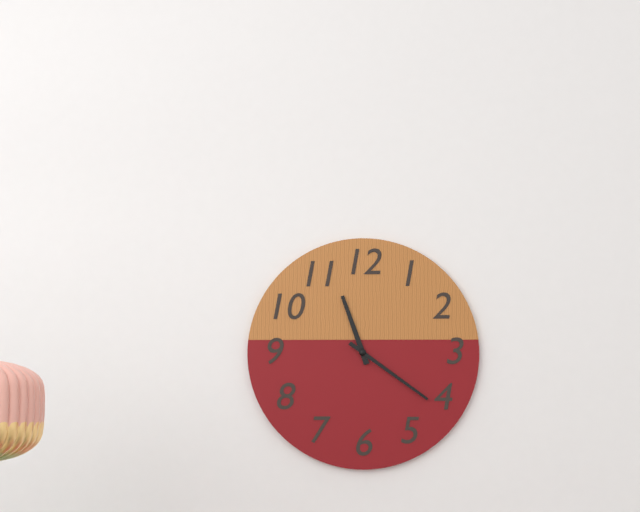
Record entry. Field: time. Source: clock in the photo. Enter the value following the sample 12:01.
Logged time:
11:21
